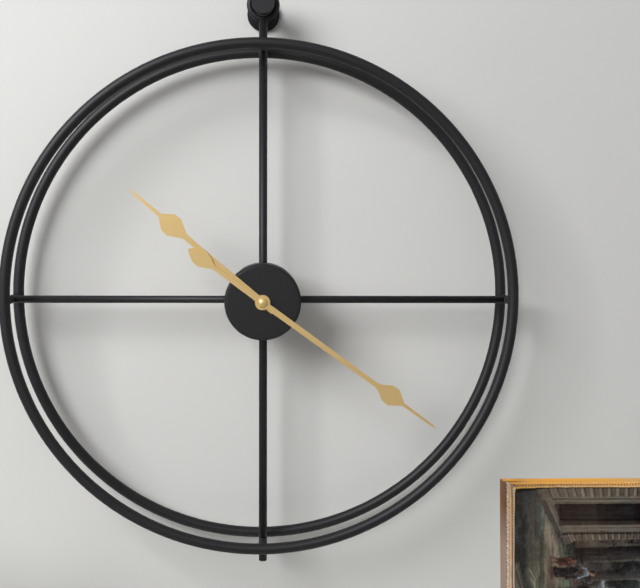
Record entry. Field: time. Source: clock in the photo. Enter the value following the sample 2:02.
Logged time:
10:21
